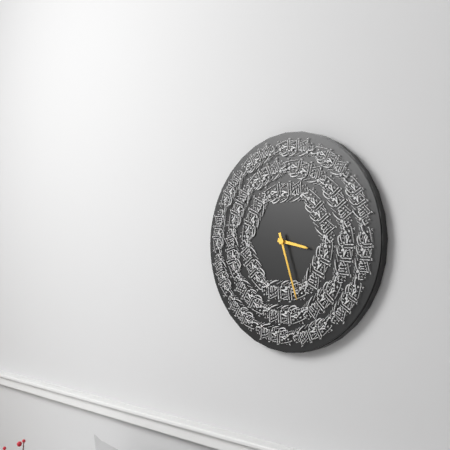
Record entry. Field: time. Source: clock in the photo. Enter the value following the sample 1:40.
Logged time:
3:27
